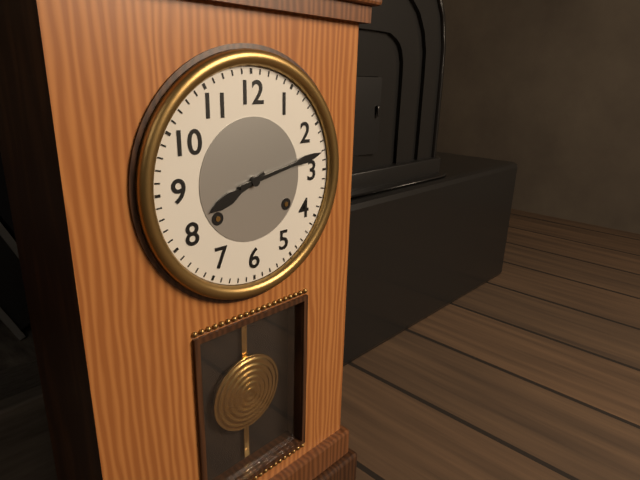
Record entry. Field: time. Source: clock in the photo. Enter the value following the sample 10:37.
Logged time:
8:13
